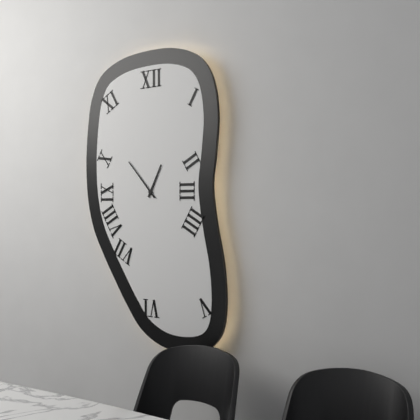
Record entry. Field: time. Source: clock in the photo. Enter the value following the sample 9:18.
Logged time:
12:53
